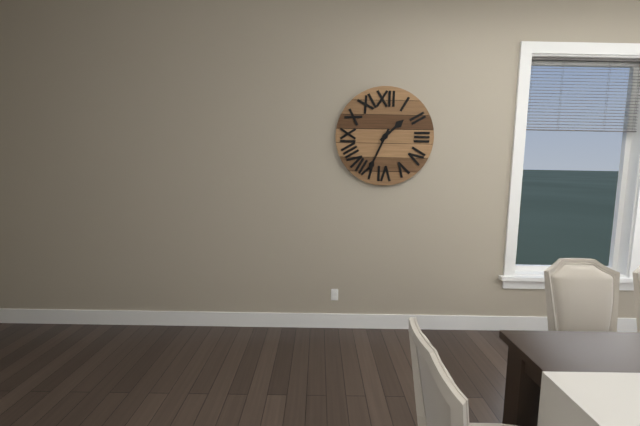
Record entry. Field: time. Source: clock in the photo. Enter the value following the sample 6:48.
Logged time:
1:34
